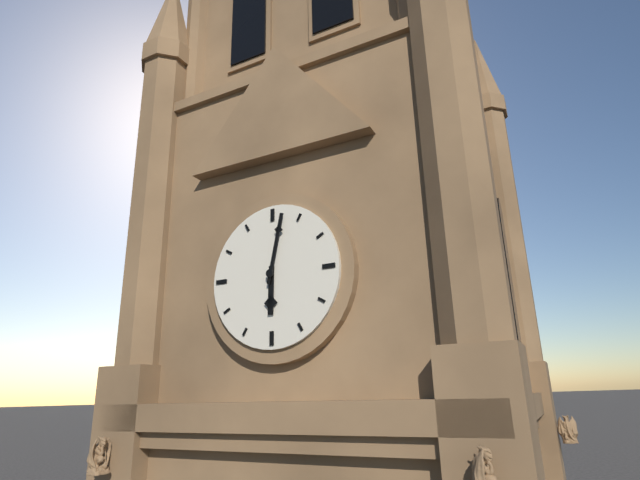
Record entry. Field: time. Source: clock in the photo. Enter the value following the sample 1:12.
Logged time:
6:02
